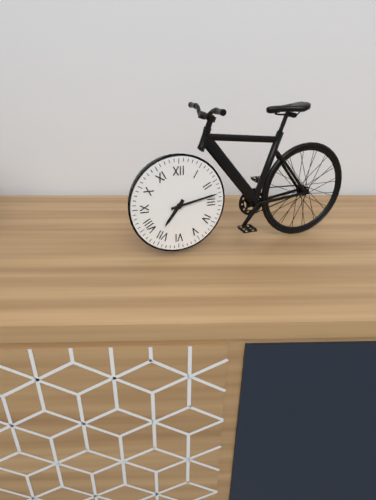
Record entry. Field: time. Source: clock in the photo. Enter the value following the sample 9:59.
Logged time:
7:13
